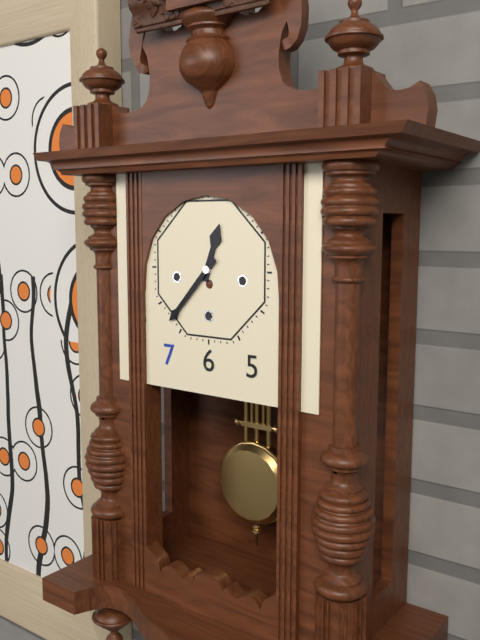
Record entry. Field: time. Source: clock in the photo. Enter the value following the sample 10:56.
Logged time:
12:37
